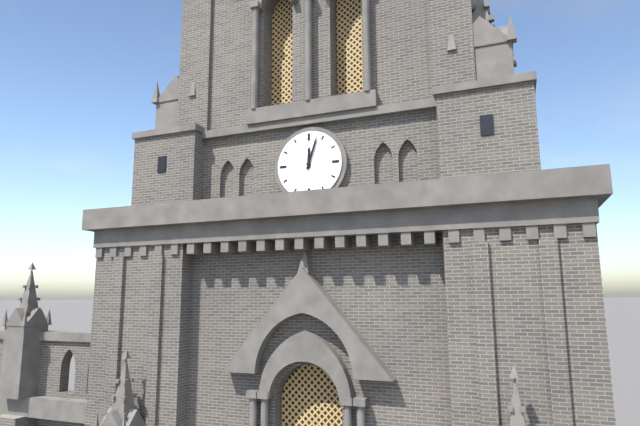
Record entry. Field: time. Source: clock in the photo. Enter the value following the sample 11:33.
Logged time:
12:03
